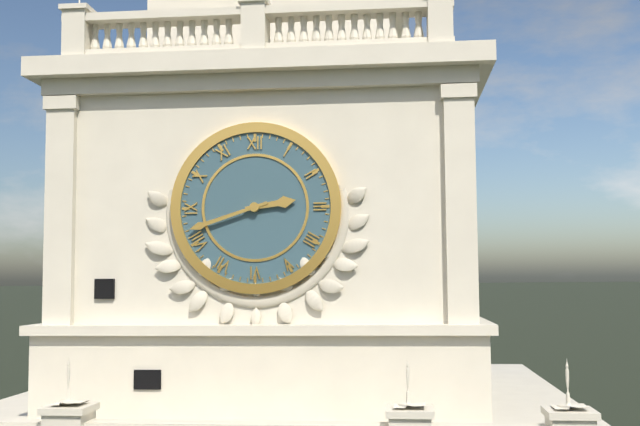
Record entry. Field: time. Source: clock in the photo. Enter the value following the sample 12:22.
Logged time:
2:42
